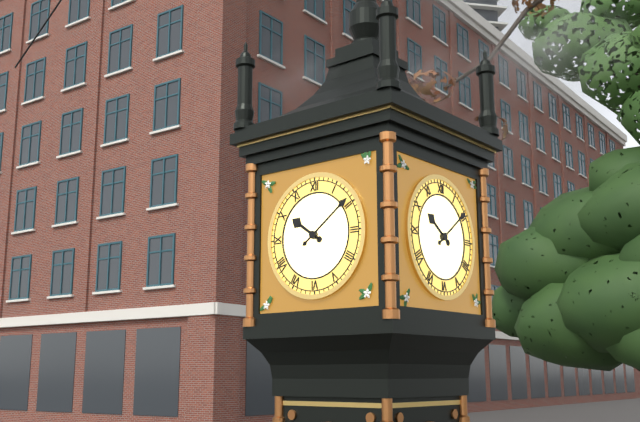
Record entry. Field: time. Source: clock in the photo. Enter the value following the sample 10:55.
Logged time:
10:09
